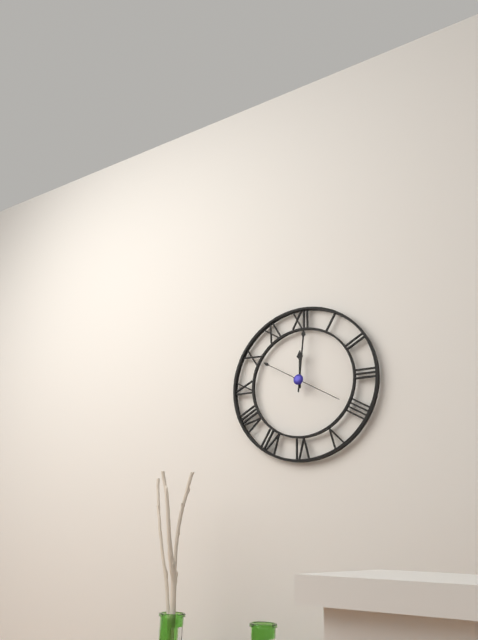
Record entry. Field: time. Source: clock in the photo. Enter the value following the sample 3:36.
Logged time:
12:01
